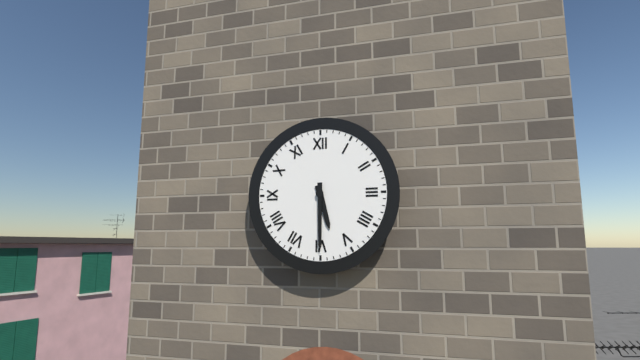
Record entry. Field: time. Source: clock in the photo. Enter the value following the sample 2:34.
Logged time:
5:30
